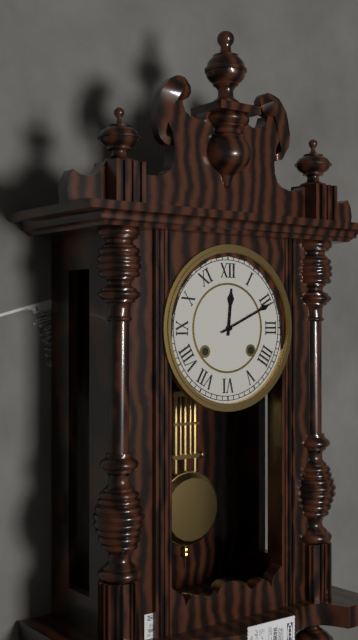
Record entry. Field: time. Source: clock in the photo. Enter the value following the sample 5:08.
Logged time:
12:11
